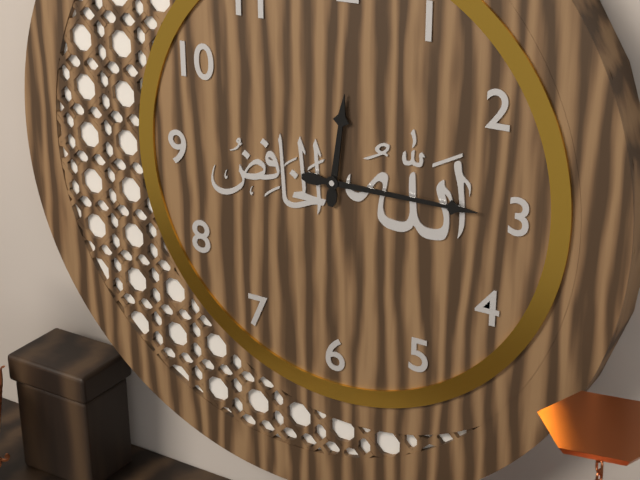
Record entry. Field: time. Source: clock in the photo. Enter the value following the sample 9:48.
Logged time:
12:15
